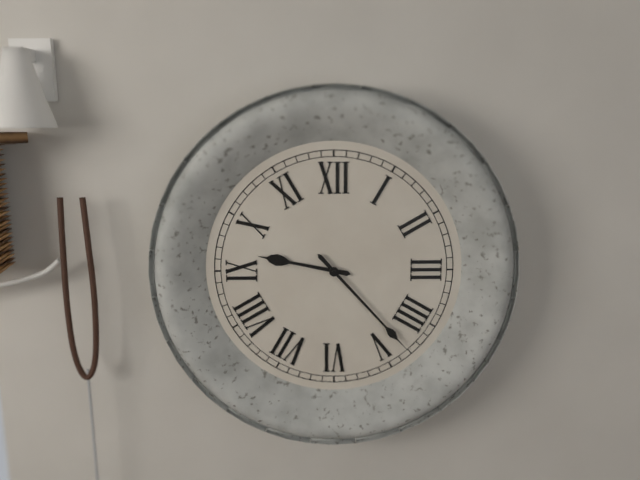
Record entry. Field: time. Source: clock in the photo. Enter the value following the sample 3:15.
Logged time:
9:23
